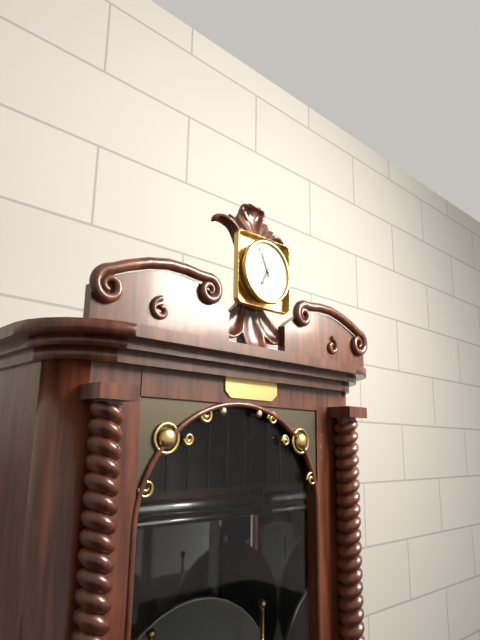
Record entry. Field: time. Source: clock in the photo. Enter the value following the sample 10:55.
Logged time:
6:56
